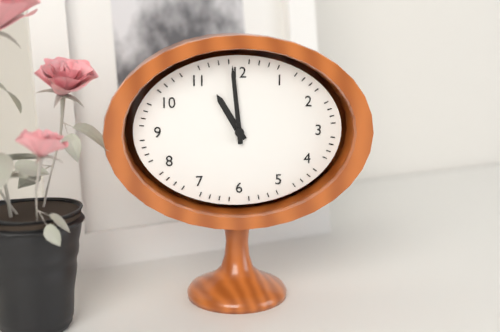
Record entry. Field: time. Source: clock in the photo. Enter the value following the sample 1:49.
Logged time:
10:59
